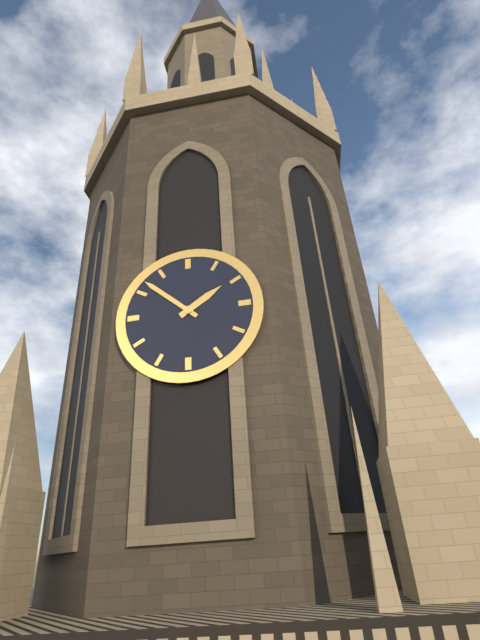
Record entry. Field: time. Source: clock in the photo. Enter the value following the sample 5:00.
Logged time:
1:52
